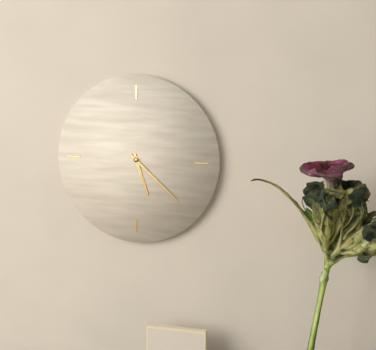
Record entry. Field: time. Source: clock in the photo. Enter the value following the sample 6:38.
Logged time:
5:22
